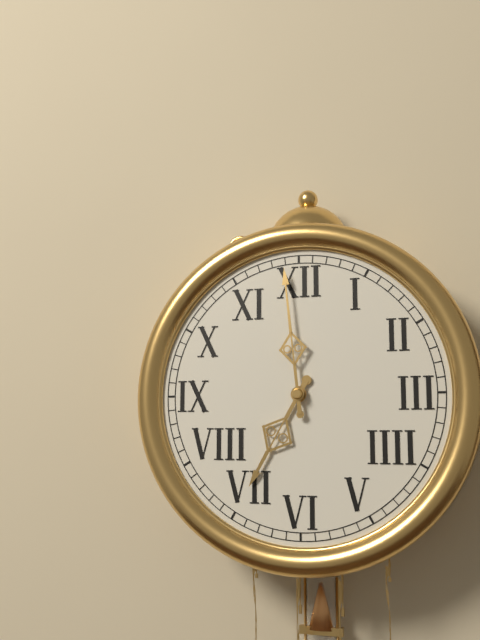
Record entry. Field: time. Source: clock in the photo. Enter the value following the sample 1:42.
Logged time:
6:59
